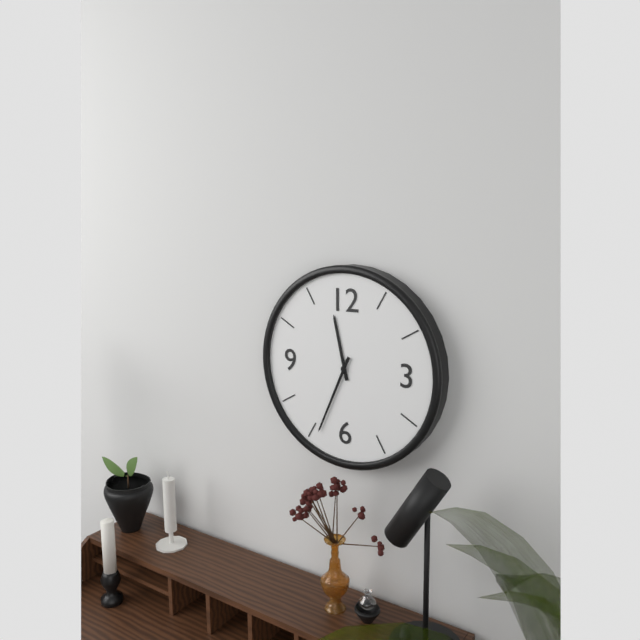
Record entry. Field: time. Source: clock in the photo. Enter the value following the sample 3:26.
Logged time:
11:34
